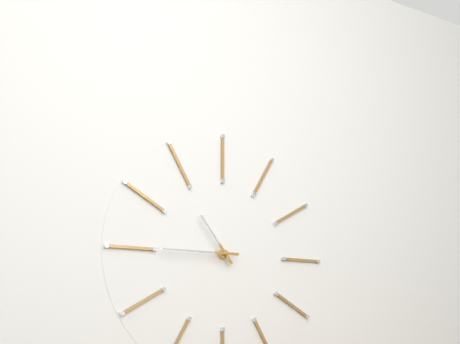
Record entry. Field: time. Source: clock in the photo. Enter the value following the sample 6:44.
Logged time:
10:45
